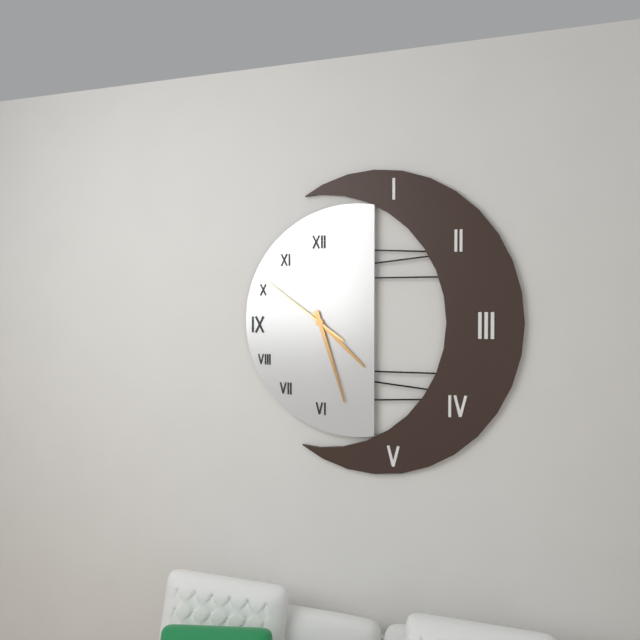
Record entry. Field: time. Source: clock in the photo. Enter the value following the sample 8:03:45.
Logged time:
4:27:51
